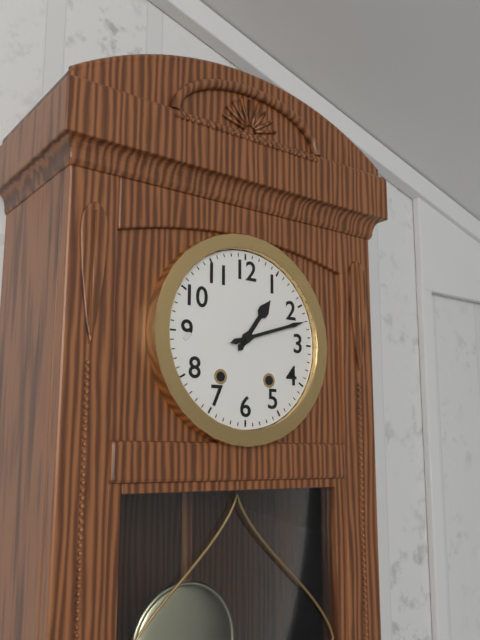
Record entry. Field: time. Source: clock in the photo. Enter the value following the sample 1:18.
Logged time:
1:12
